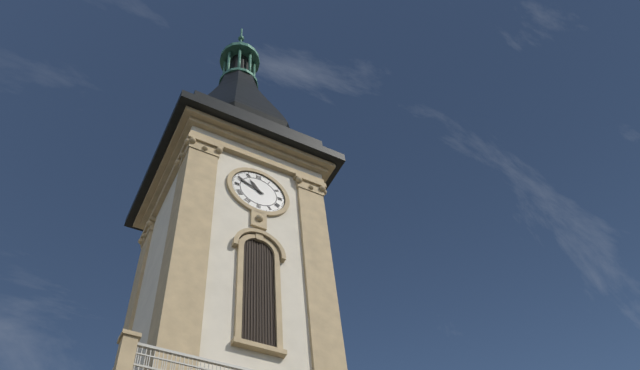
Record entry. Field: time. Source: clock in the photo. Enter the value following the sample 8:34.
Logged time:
10:49
